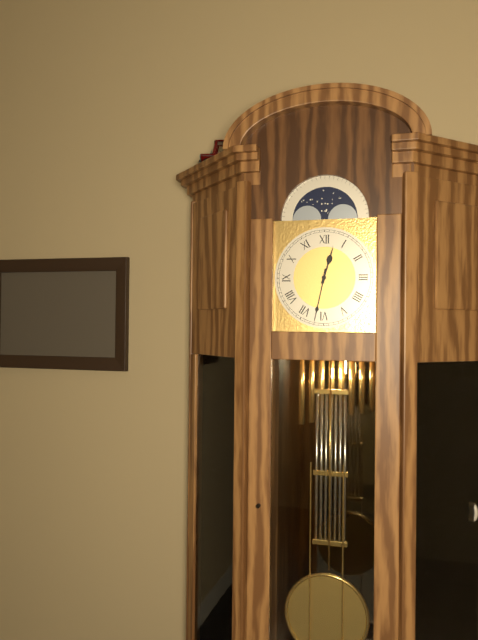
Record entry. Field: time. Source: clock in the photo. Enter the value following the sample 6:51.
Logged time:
12:32
